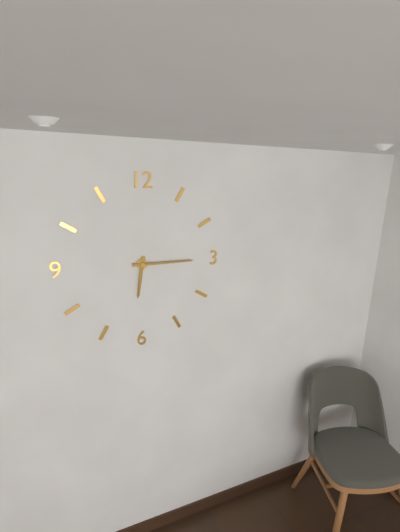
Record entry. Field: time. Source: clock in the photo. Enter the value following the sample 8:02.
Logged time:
6:15
